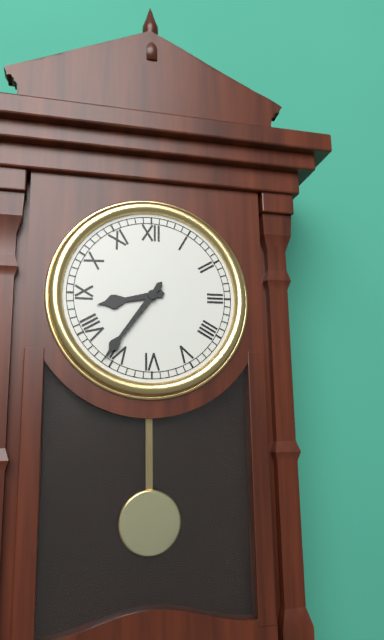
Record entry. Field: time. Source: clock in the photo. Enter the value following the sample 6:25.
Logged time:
8:36
